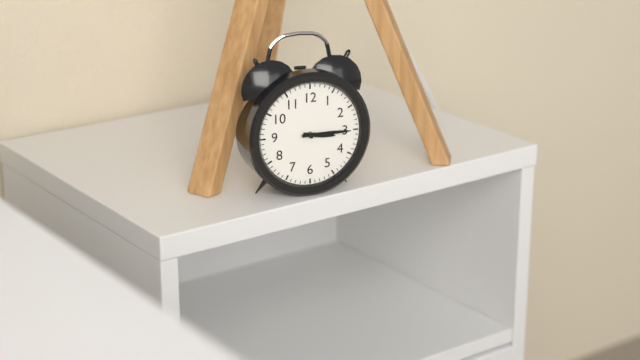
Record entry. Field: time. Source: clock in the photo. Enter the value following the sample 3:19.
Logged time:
3:15
